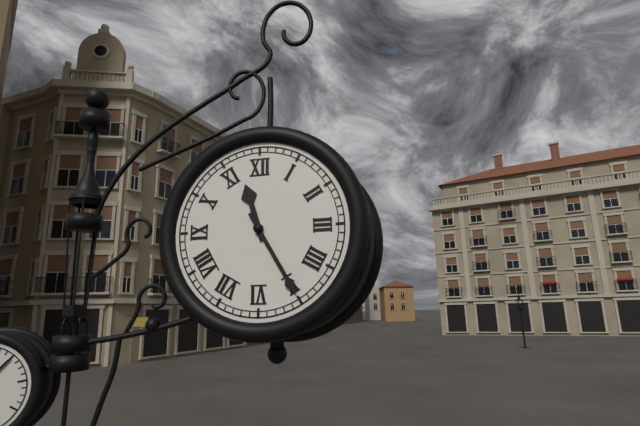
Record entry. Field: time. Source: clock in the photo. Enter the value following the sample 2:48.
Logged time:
11:25
